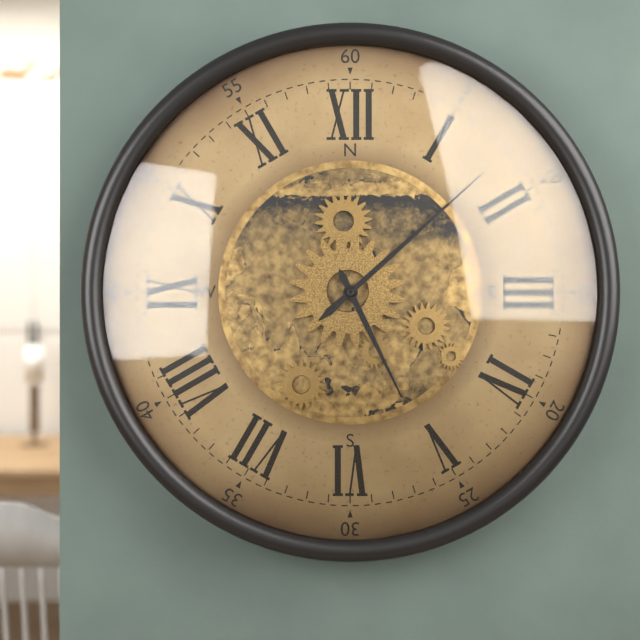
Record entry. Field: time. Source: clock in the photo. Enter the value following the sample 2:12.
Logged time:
5:08
